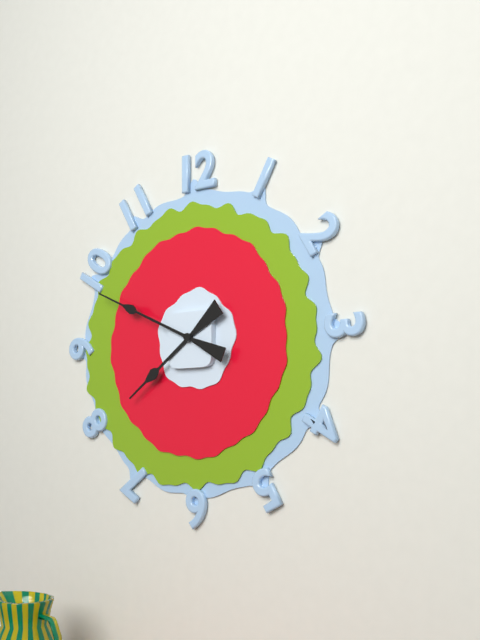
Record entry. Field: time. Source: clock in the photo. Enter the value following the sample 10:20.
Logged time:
7:49
